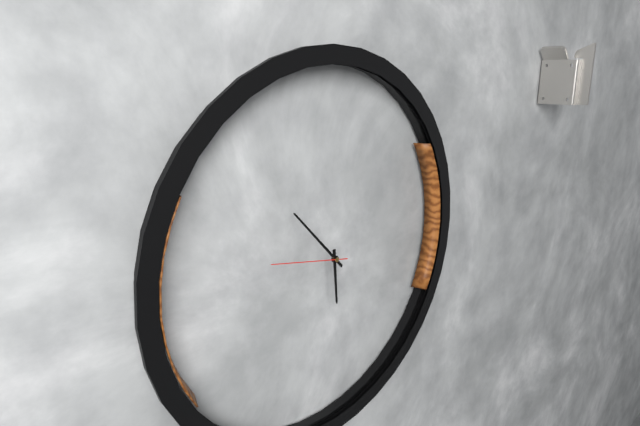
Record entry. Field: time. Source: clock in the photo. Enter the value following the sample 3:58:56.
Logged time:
5:53:47
